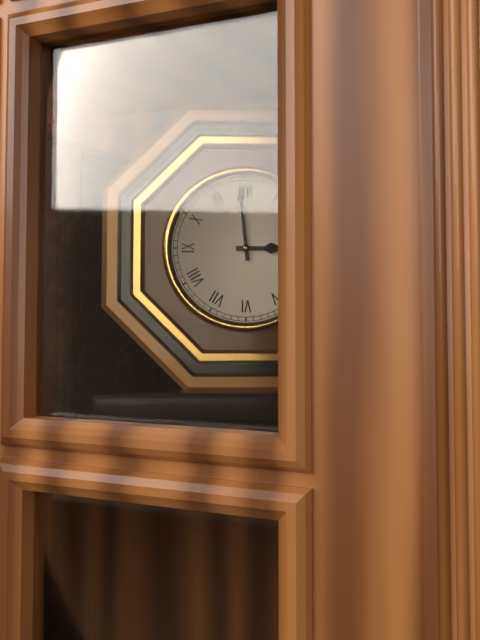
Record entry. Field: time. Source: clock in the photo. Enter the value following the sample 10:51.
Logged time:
2:59
